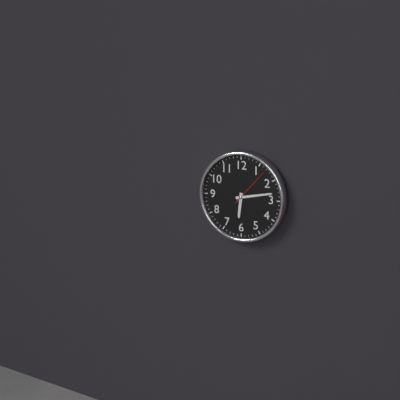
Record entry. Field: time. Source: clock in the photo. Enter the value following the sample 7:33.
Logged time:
6:13
